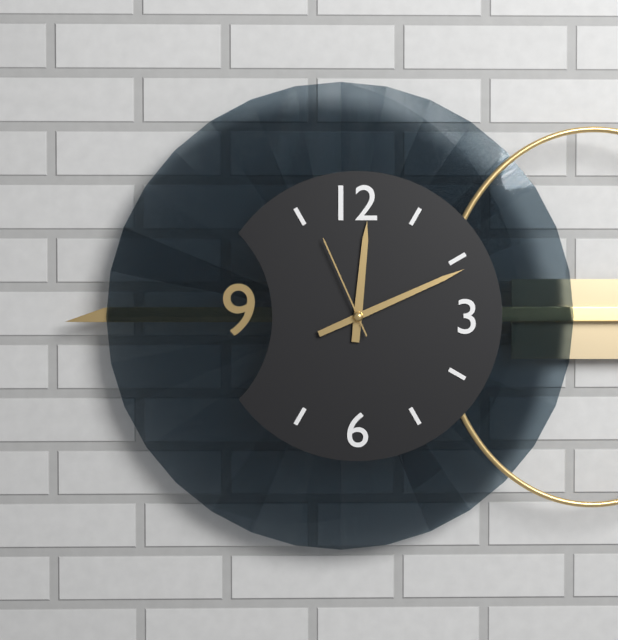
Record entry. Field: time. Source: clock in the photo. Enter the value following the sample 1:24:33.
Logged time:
12:11:56
